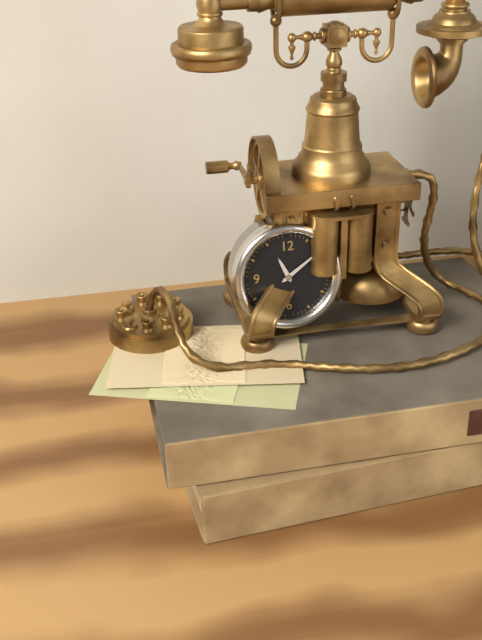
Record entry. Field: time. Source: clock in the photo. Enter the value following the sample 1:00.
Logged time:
11:09
